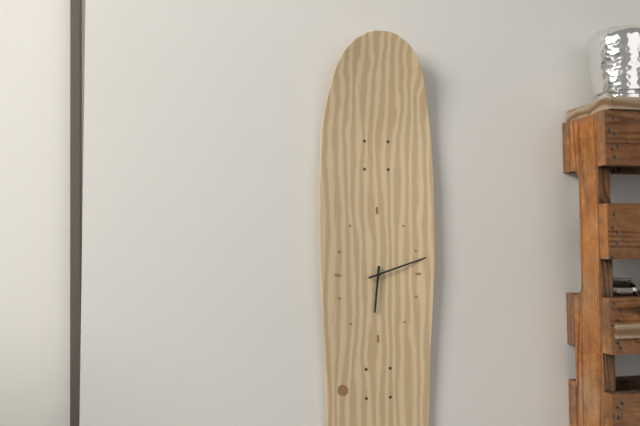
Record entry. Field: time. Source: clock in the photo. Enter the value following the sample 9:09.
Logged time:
6:12
